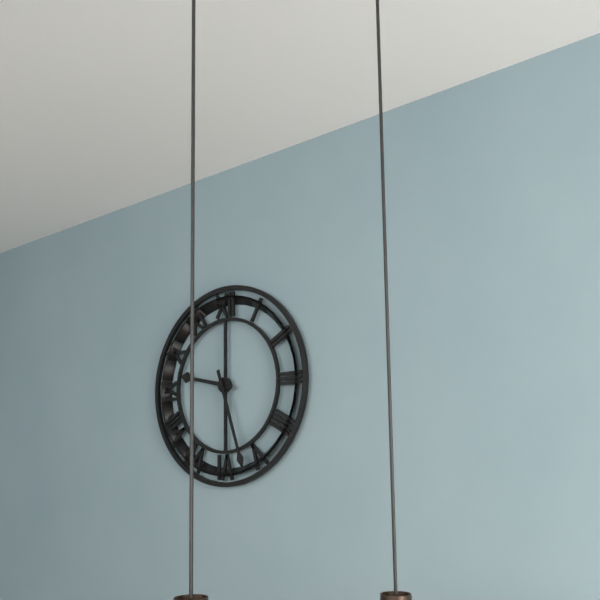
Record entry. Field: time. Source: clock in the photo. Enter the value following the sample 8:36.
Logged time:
9:27
